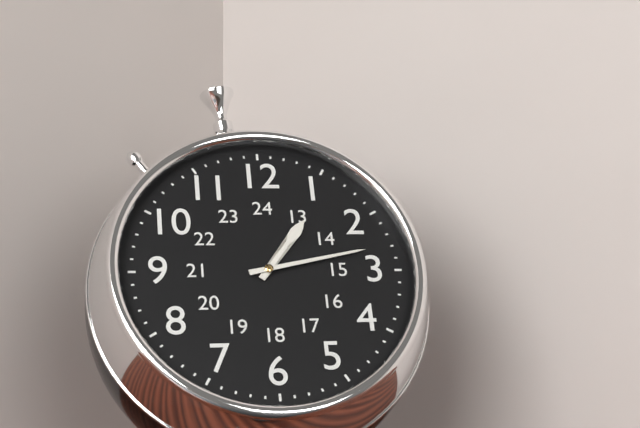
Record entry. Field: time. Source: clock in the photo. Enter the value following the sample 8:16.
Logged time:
1:13
